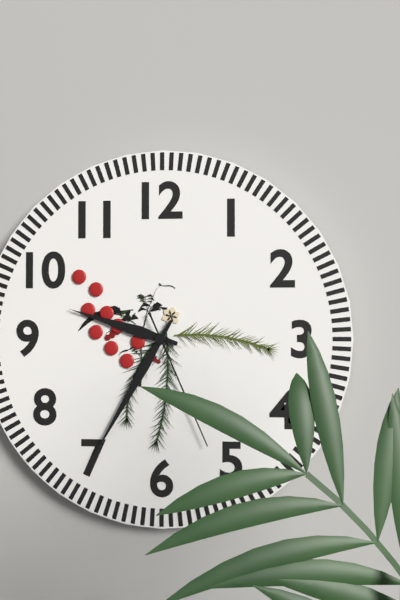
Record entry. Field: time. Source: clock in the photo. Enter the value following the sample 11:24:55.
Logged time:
9:35:26
